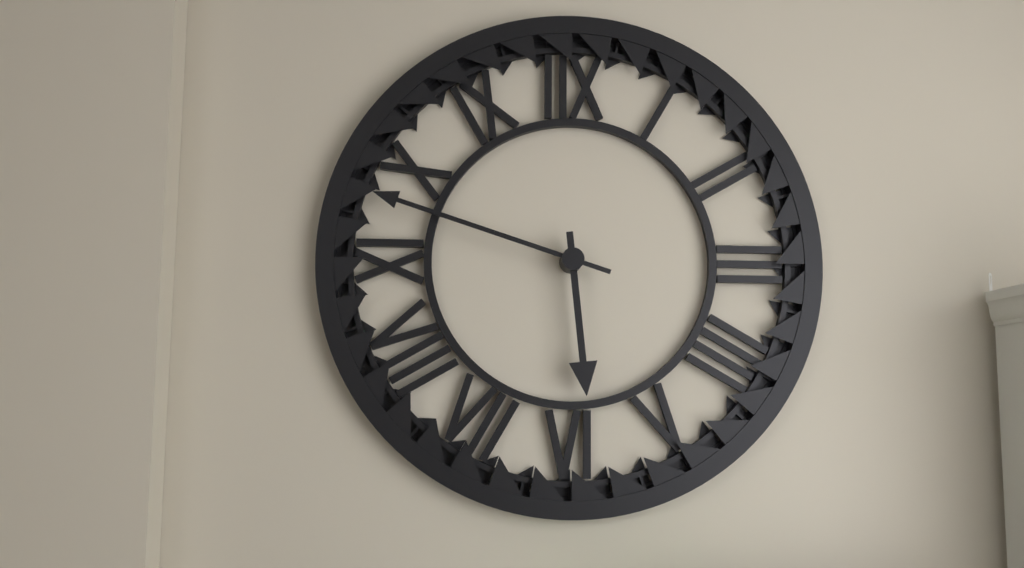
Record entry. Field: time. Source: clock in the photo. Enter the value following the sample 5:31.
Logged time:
5:48
